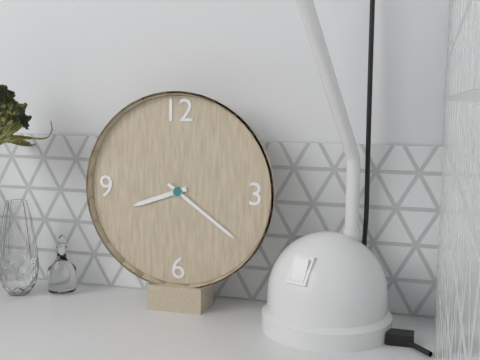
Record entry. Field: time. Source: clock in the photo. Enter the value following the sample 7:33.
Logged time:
8:21
